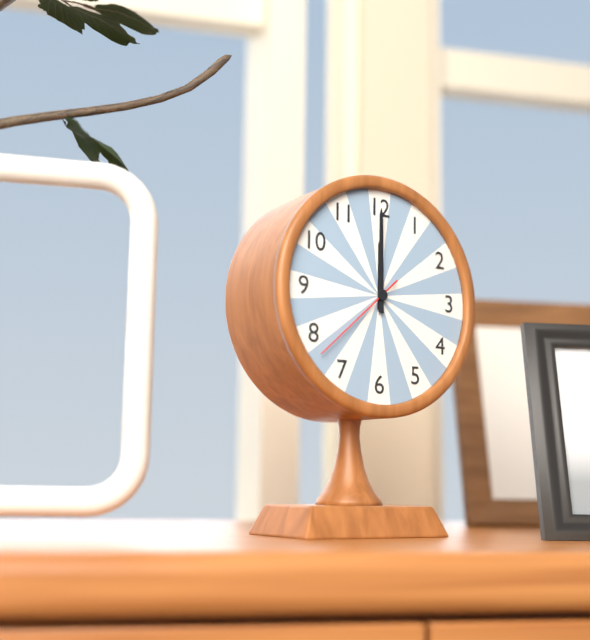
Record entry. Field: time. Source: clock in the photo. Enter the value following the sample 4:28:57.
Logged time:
12:00:38
